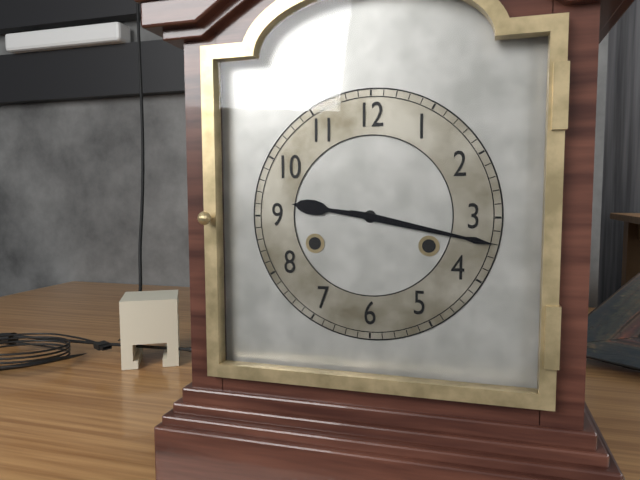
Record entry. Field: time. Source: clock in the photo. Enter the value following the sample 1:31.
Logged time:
9:17
